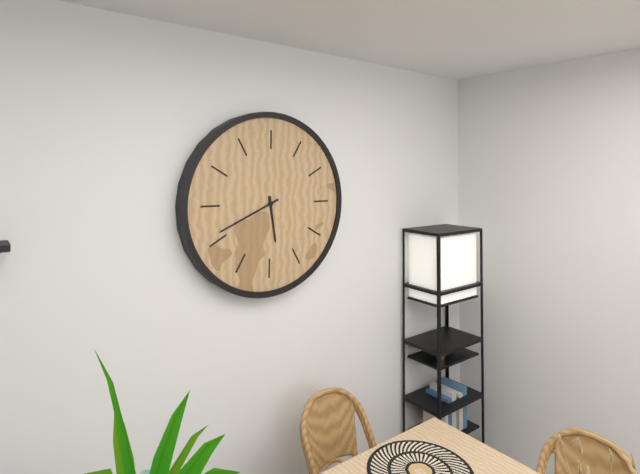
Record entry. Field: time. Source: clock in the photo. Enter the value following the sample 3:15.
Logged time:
5:41
